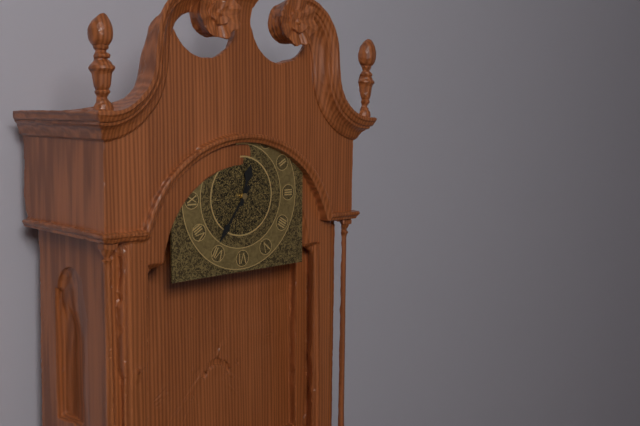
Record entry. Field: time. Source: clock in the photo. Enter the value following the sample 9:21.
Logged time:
12:36
